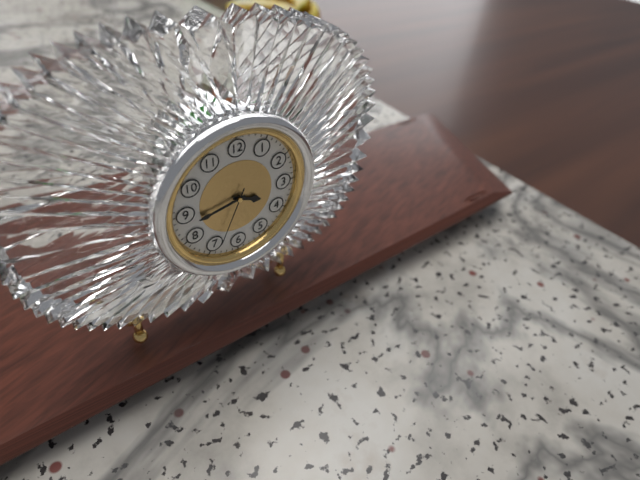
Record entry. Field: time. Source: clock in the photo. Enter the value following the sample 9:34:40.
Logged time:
3:43:34
